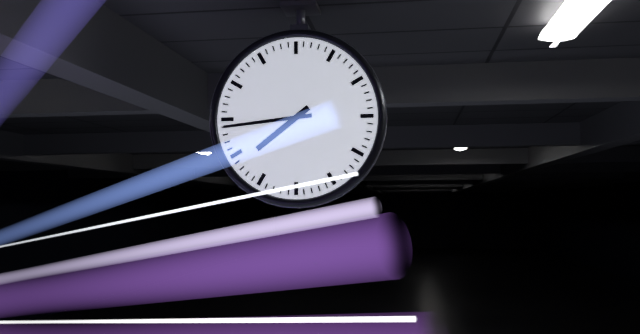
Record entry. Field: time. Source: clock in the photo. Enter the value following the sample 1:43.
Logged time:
7:44
